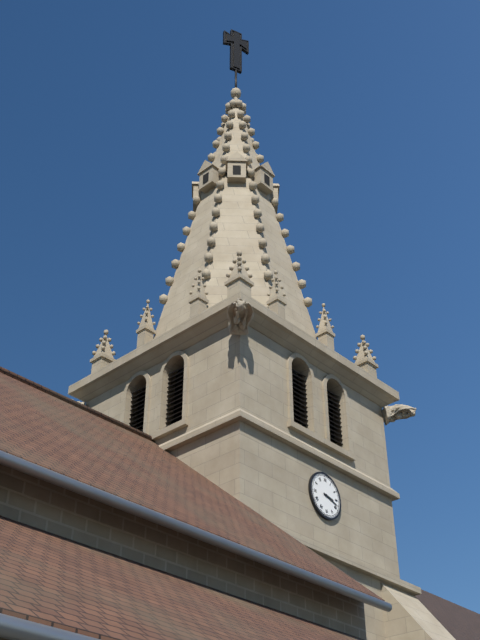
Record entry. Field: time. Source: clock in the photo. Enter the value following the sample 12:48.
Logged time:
3:18
